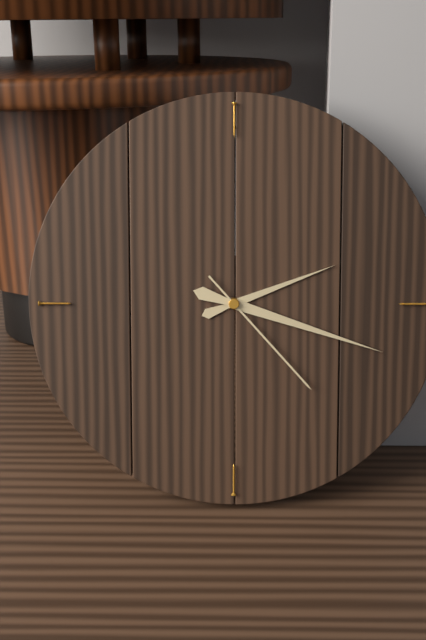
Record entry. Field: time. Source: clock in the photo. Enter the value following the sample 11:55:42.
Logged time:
2:18:23
